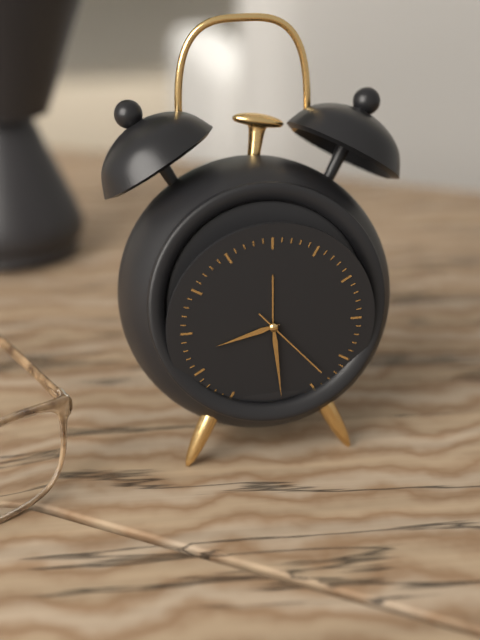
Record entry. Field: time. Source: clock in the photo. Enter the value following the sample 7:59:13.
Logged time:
8:29:23
